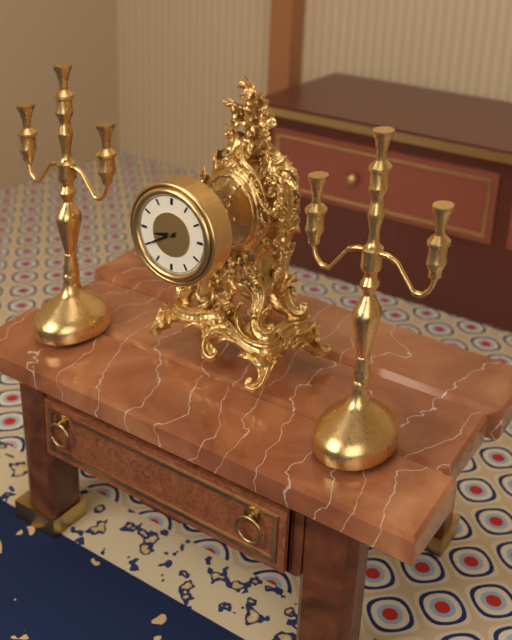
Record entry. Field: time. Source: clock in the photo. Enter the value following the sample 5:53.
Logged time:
8:40
